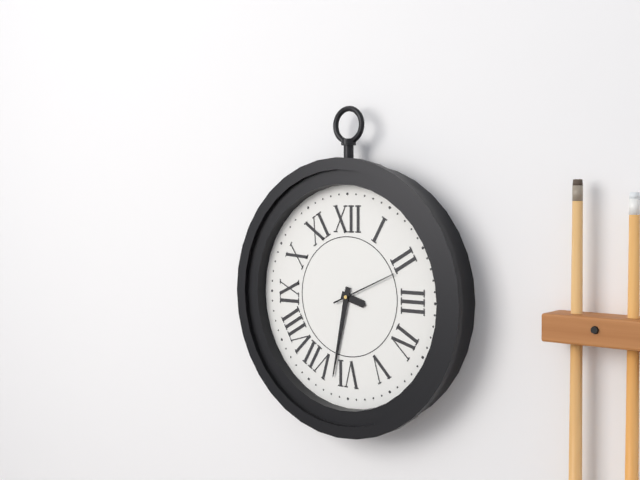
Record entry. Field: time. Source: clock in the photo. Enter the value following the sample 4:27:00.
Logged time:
3:32:11
